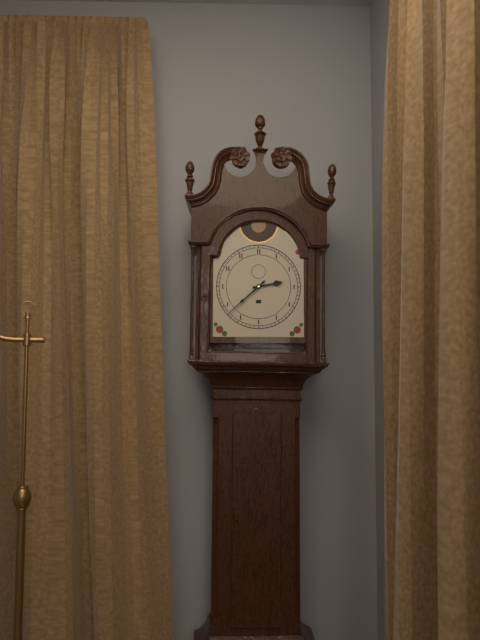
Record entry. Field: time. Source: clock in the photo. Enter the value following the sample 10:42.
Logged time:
2:38
